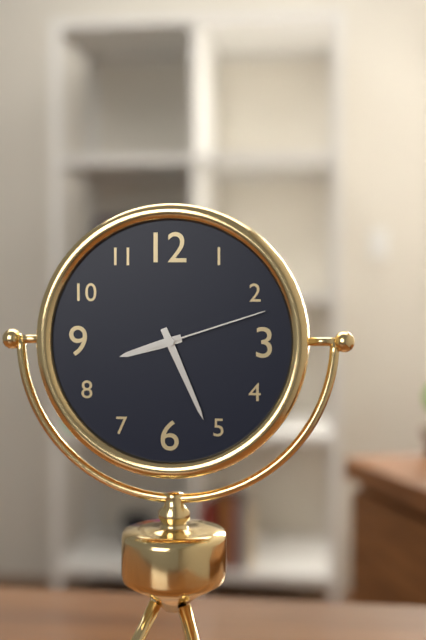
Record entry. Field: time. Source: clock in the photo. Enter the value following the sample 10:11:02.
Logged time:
8:26:12
